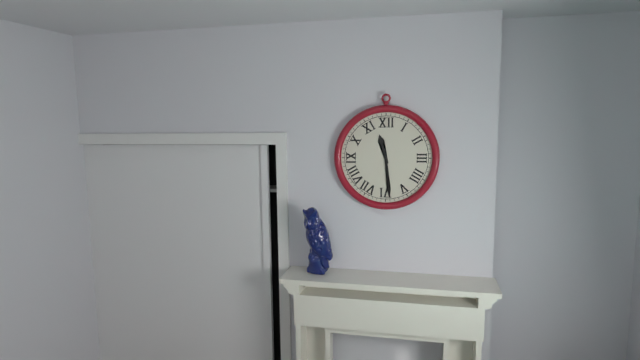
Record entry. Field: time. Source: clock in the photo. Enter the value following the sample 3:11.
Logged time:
11:29
